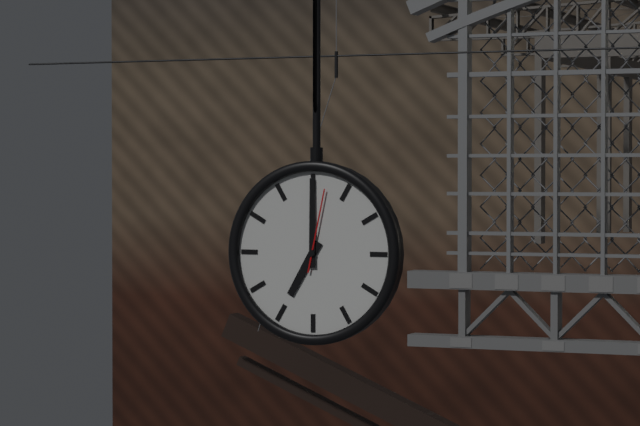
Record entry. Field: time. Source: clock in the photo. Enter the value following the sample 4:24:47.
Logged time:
7:00:02
